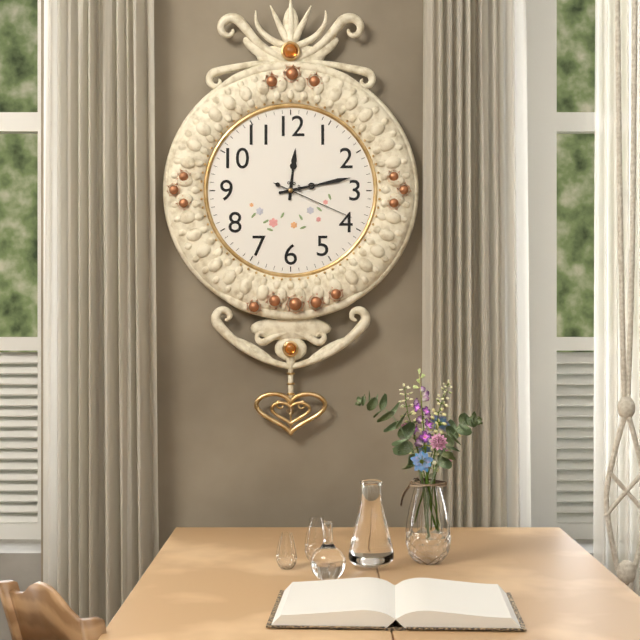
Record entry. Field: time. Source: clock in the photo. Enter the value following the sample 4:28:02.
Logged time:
12:13:19
